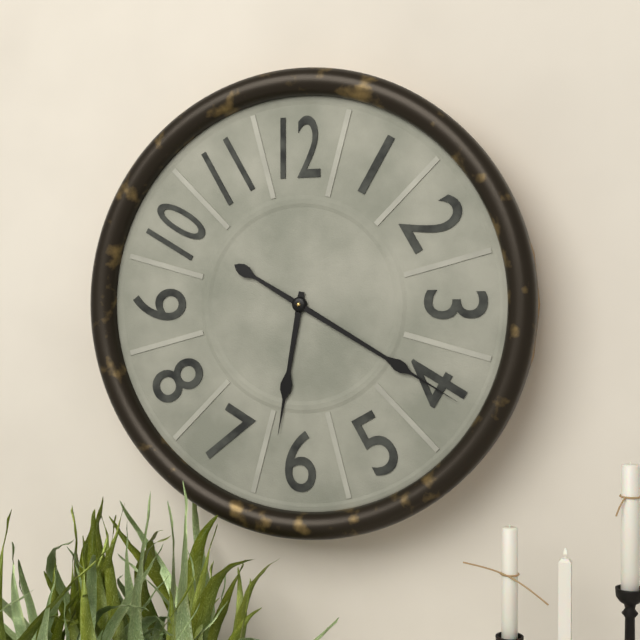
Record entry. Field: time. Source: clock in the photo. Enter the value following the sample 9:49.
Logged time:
6:20
